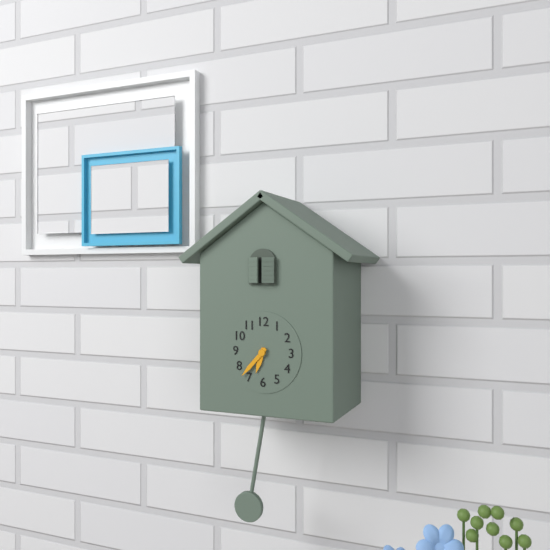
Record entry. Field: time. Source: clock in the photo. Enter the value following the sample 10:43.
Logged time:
6:37
